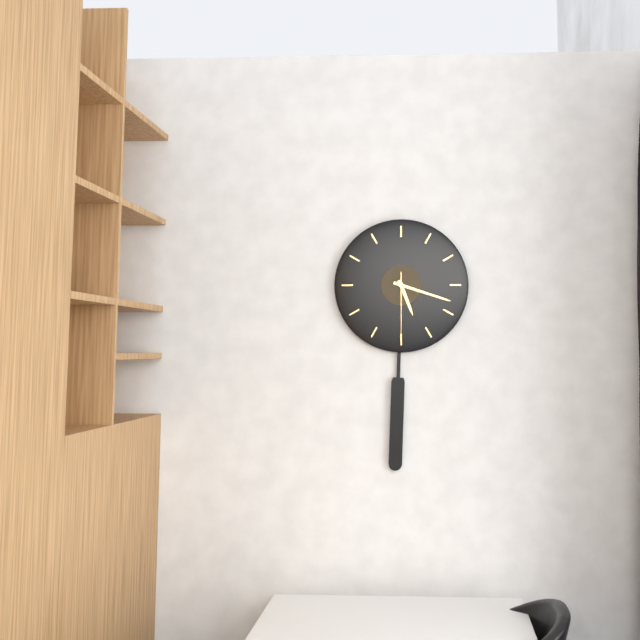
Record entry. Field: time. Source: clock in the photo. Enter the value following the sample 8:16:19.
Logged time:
5:18:30
